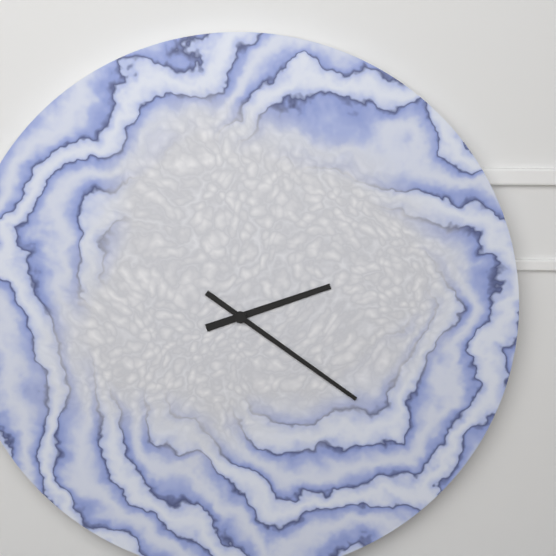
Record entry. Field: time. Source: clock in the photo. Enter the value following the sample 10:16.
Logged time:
2:21
